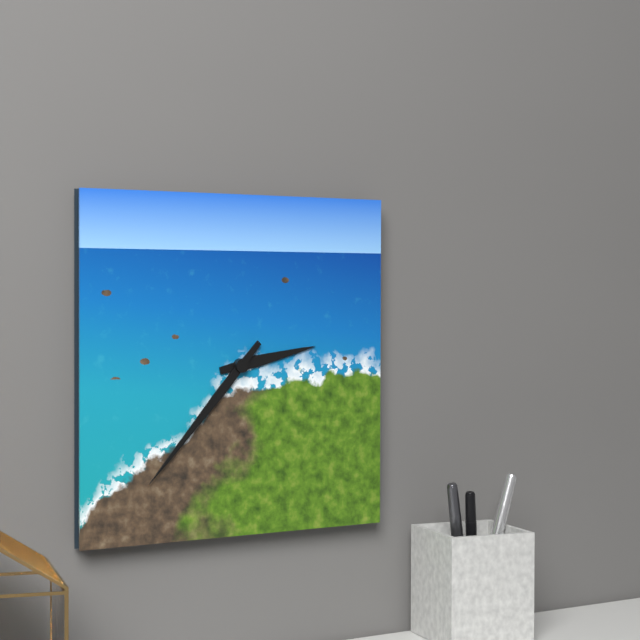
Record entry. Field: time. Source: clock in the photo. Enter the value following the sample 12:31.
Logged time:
2:37
